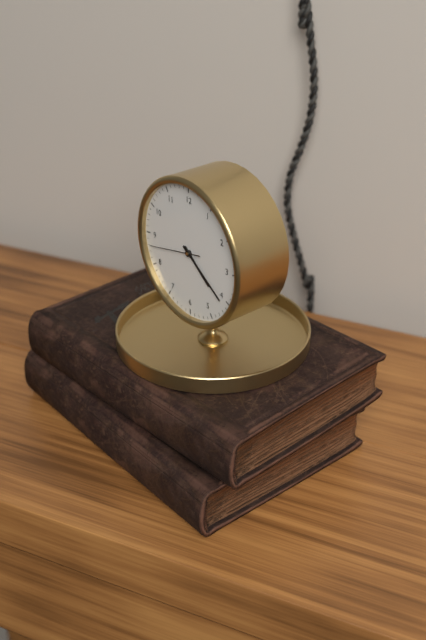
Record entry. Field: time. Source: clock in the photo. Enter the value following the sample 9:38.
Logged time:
4:21
